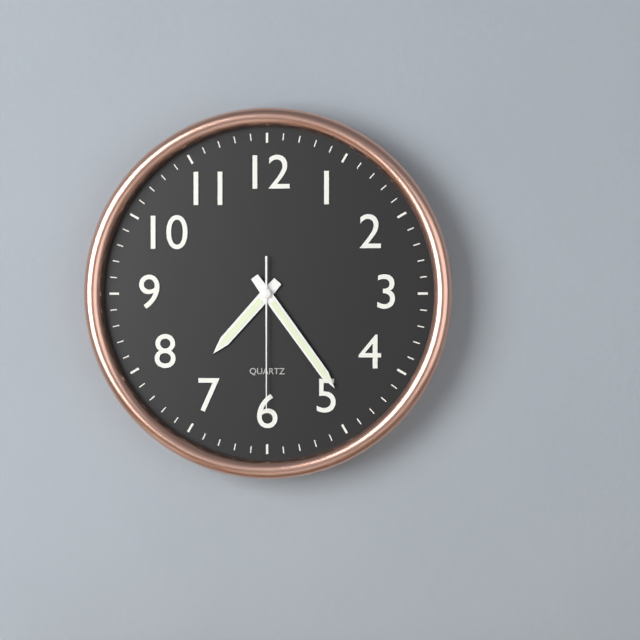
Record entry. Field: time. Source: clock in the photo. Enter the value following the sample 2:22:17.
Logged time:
7:24:30
